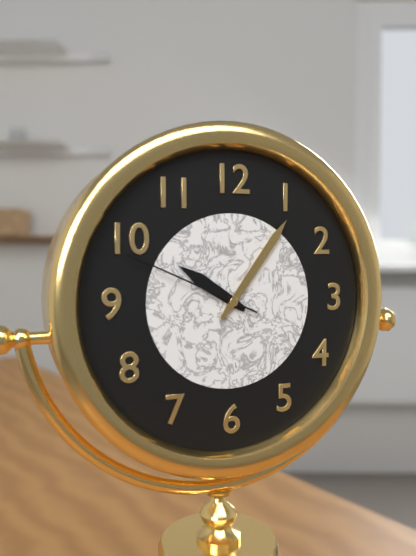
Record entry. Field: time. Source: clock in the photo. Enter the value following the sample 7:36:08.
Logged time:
10:06:49
